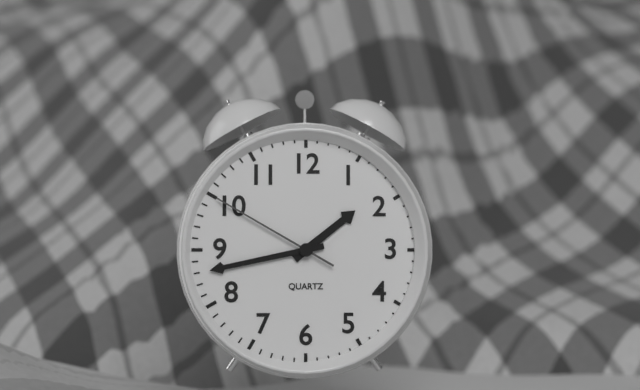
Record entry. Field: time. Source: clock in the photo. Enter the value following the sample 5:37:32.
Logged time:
1:43:50
